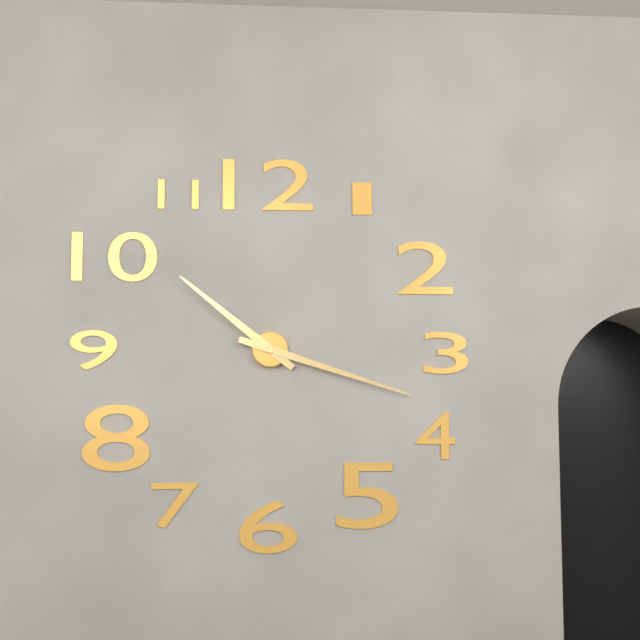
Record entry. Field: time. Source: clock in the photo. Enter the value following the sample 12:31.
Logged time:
10:18
